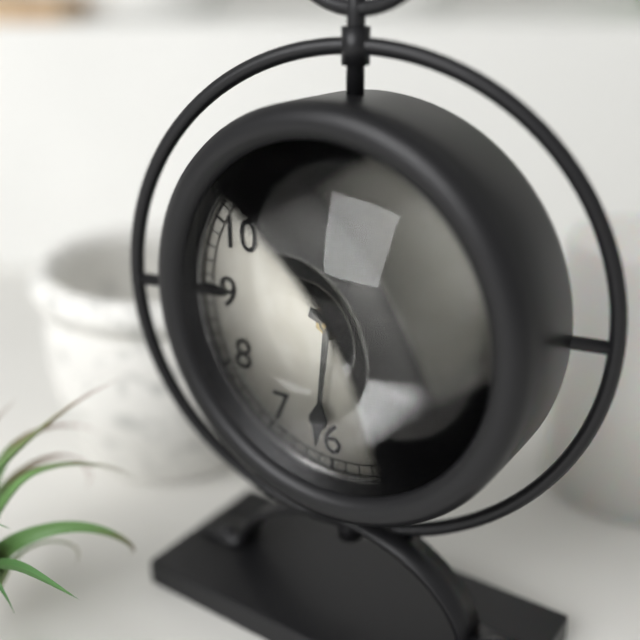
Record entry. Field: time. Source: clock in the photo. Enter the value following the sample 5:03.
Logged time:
3:31
